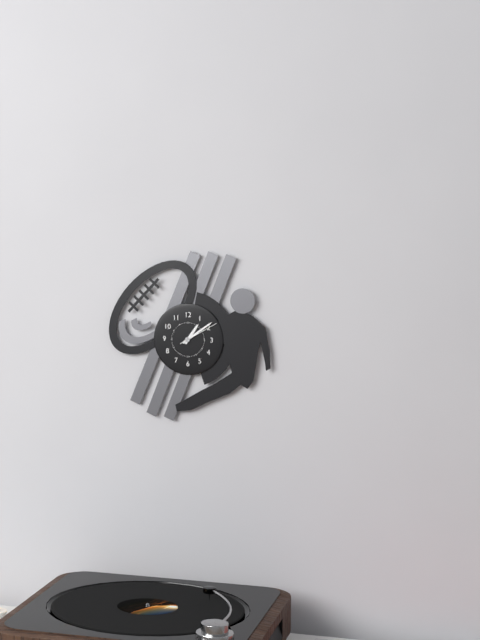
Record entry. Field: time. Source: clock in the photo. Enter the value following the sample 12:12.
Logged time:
1:09
